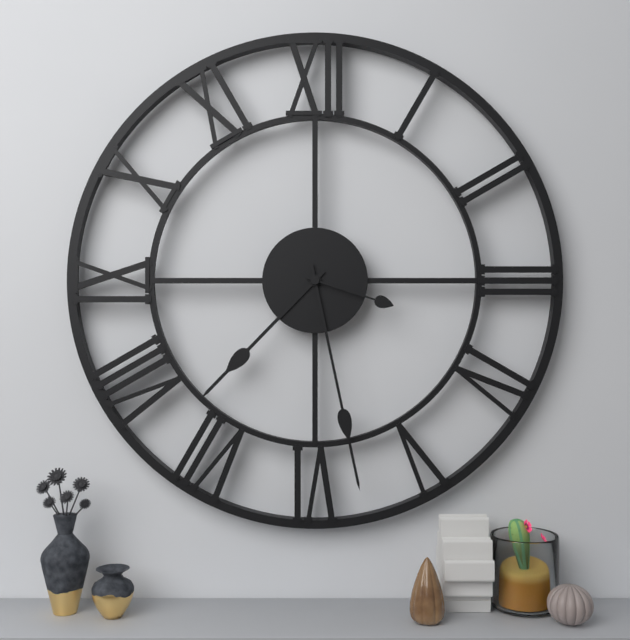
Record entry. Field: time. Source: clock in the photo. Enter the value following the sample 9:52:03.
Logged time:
7:28:18
